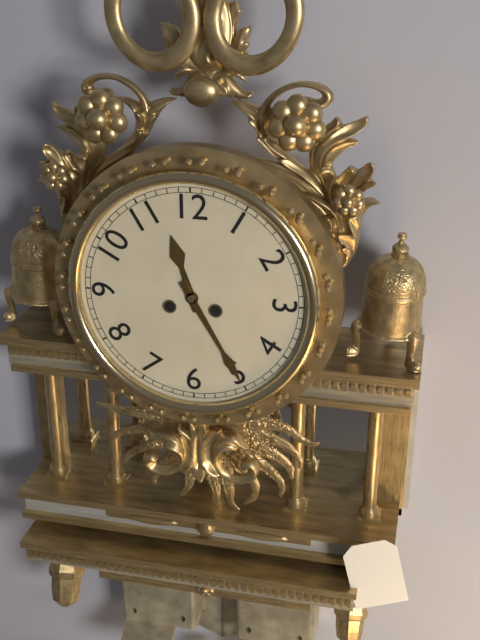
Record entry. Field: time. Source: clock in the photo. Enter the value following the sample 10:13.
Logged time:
11:25
